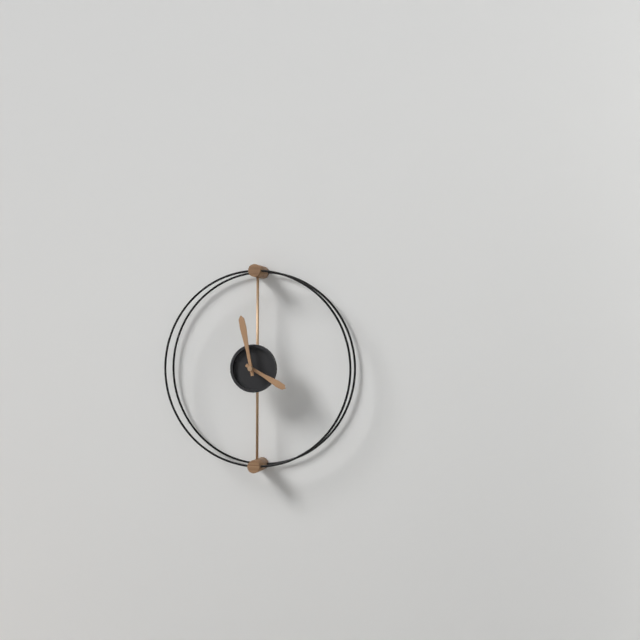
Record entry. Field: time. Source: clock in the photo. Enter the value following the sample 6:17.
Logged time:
3:58
